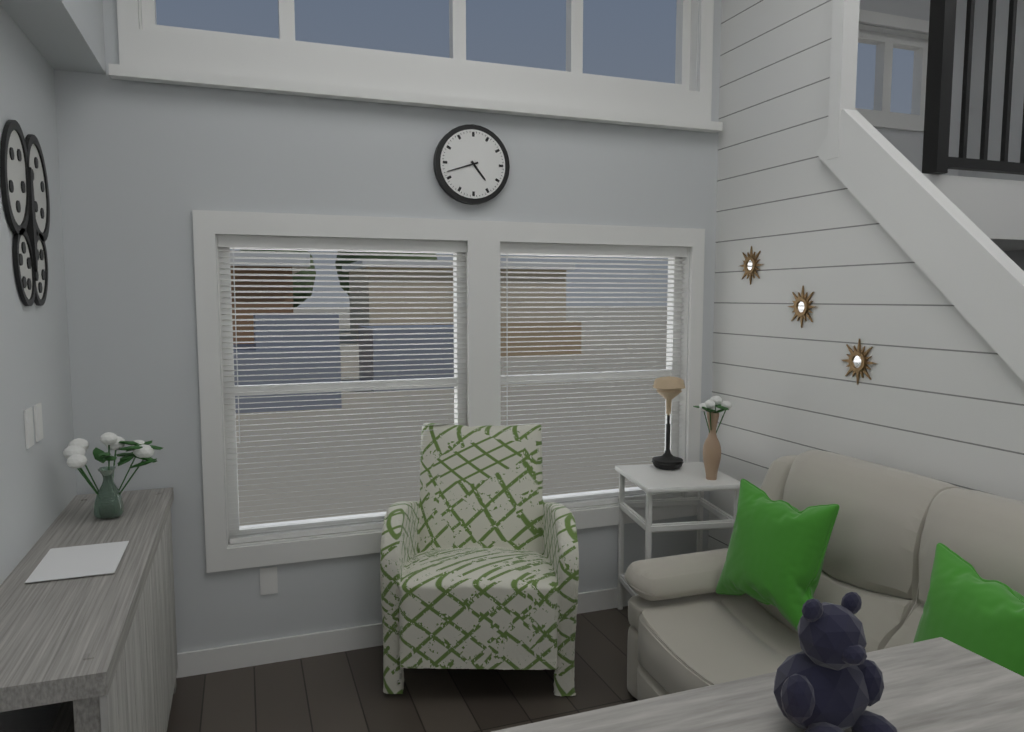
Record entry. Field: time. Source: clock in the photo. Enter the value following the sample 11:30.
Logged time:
4:42
